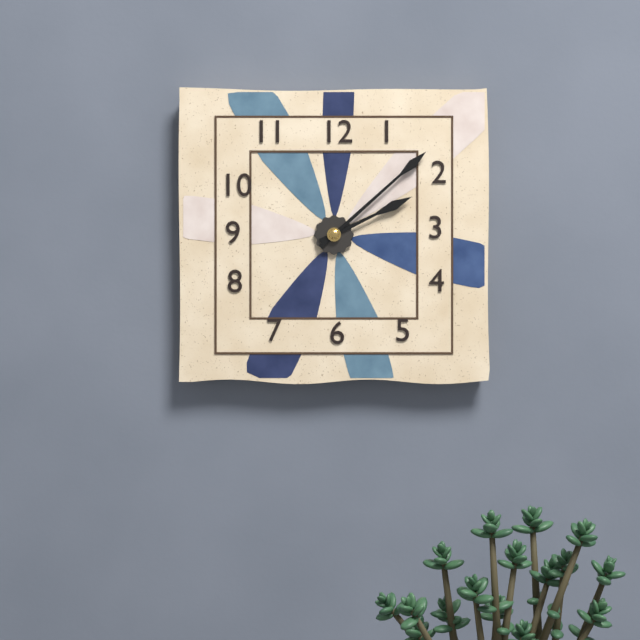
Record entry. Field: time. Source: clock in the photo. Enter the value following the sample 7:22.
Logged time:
2:08
